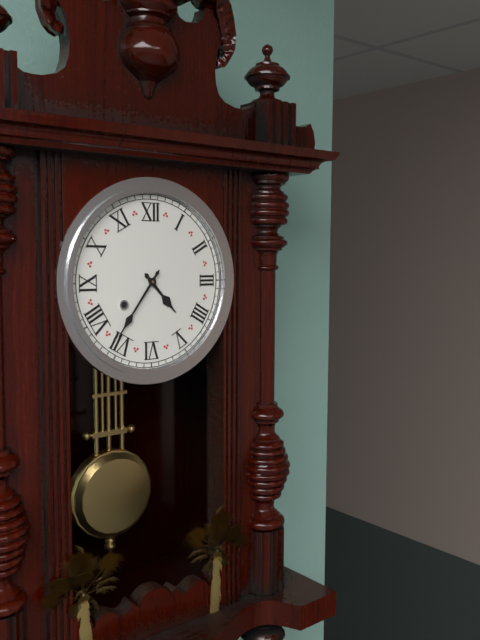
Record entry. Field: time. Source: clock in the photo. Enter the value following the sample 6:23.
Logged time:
4:36
